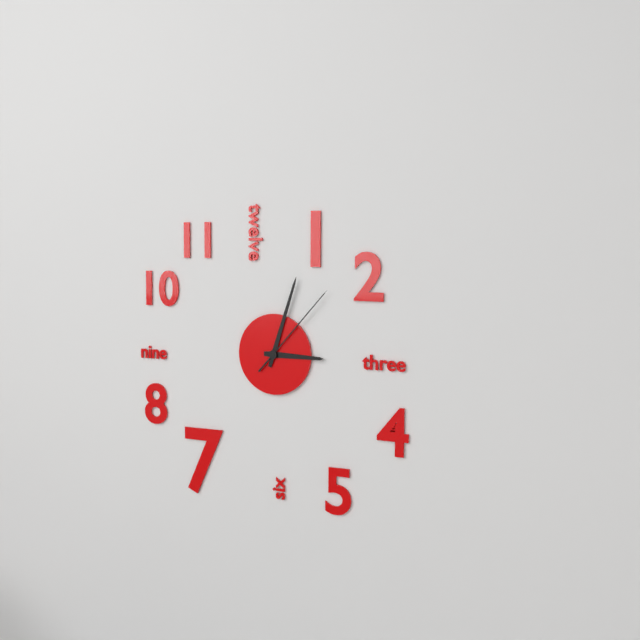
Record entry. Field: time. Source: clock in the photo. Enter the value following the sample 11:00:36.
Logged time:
3:03:07
